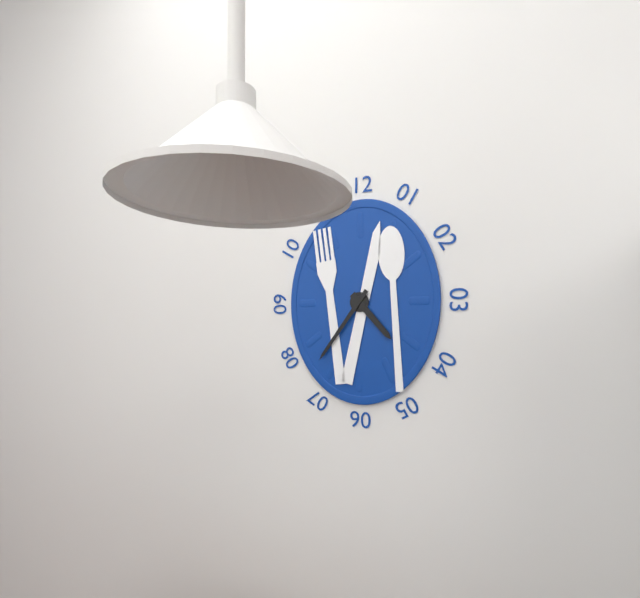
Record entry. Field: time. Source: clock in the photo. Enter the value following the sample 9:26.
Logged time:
4:36
